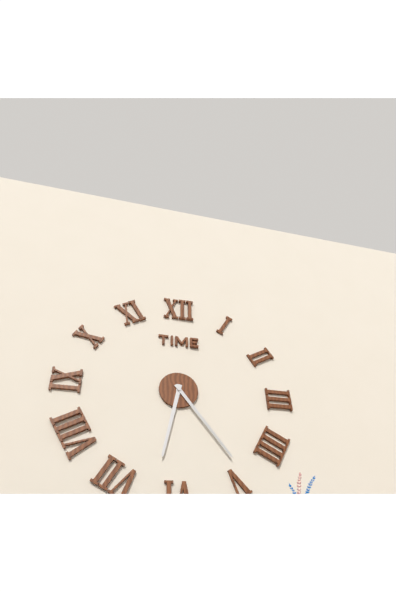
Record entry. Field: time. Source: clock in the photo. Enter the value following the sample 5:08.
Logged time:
6:24
